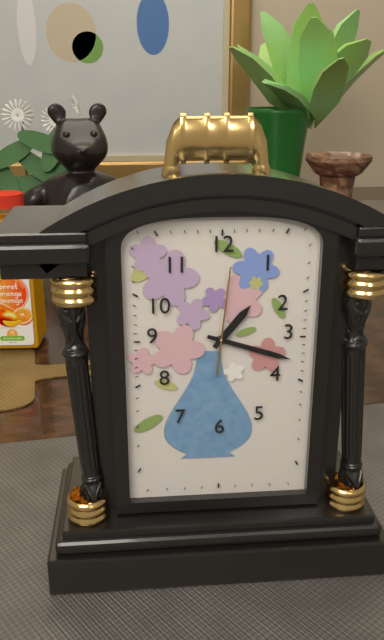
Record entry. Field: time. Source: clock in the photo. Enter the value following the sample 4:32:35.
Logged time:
1:18:01
